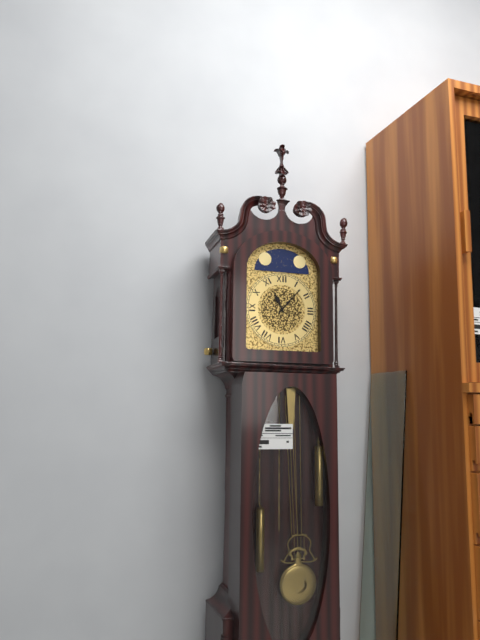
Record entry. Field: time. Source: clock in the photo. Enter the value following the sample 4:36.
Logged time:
11:07
